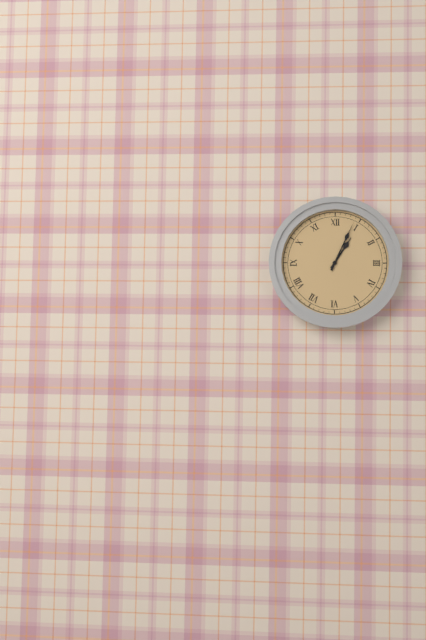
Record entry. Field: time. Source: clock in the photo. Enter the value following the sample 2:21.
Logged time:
1:04
